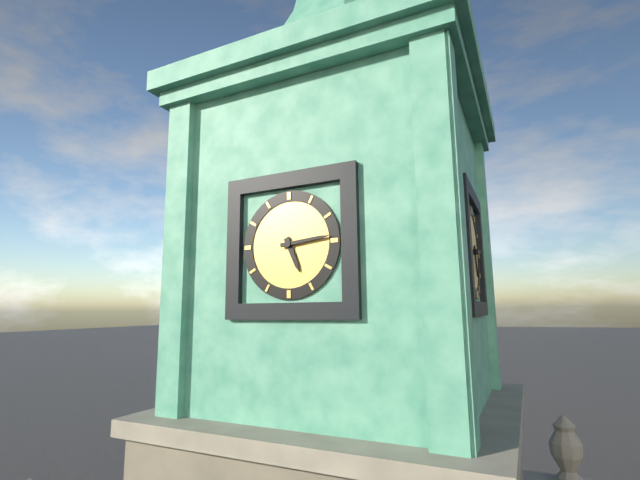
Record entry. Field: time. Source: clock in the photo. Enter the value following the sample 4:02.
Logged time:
5:14
